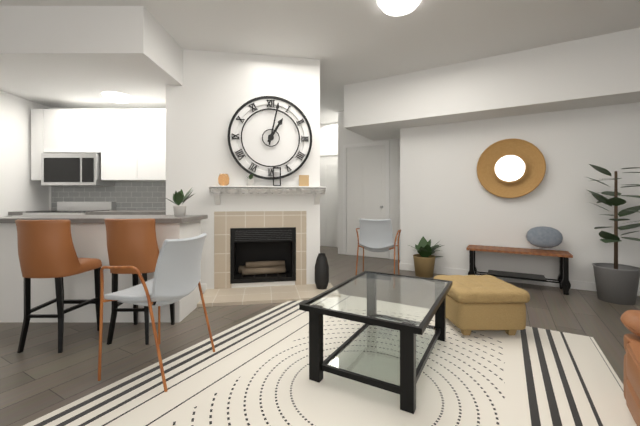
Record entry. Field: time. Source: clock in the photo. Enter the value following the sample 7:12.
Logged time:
1:02
